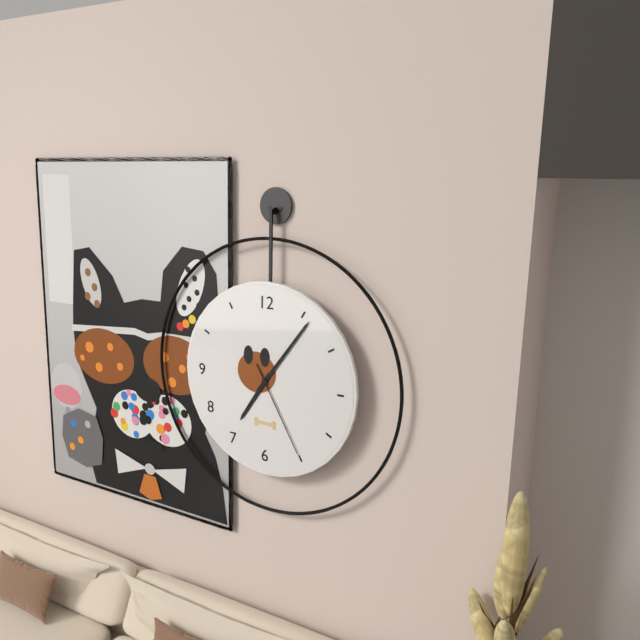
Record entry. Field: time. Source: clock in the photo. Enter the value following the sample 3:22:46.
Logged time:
7:06:25
